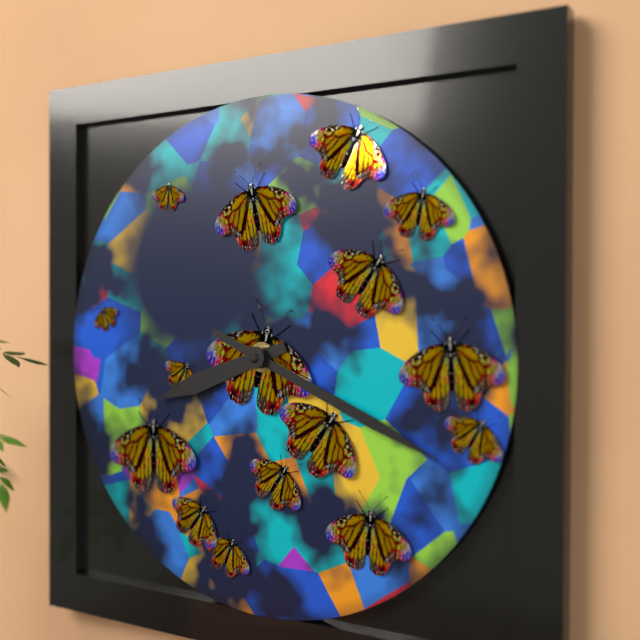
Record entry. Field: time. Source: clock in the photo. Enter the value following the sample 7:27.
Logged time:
8:19
